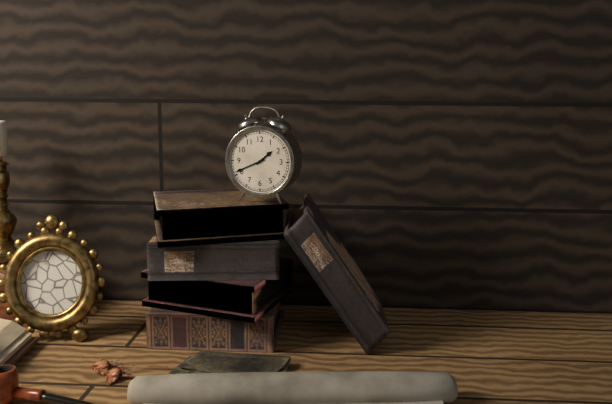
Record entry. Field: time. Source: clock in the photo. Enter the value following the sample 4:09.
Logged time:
1:41
